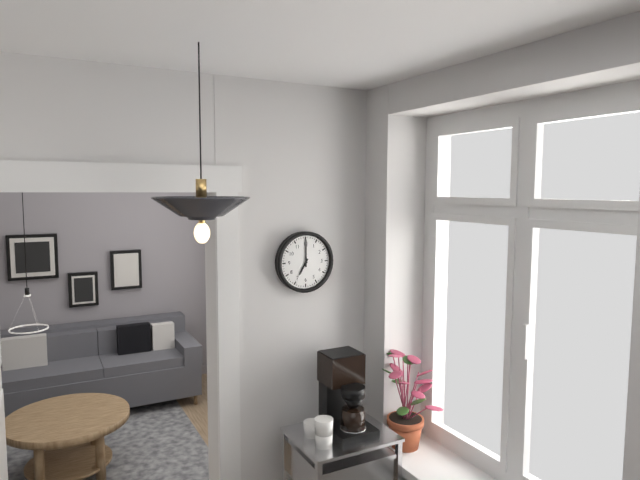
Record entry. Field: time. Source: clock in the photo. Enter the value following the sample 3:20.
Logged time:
7:00
